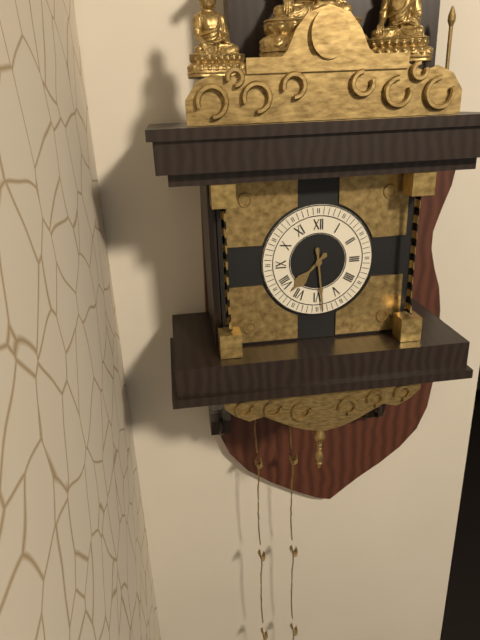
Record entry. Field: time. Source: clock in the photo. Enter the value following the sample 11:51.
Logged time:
7:29
